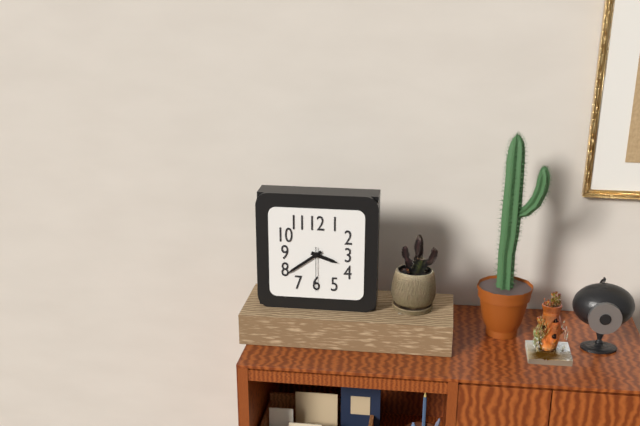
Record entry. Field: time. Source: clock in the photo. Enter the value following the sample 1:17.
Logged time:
3:39
